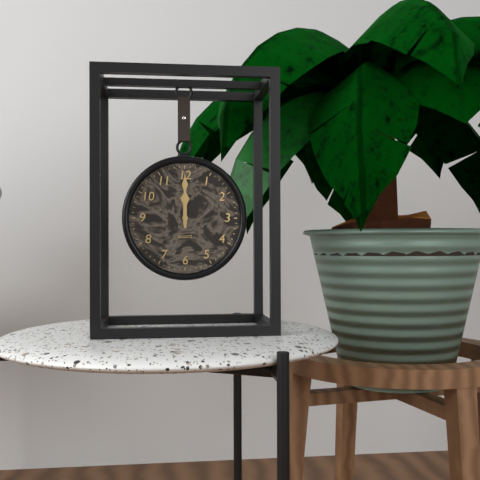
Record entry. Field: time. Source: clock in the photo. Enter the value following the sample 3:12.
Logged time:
12:00
